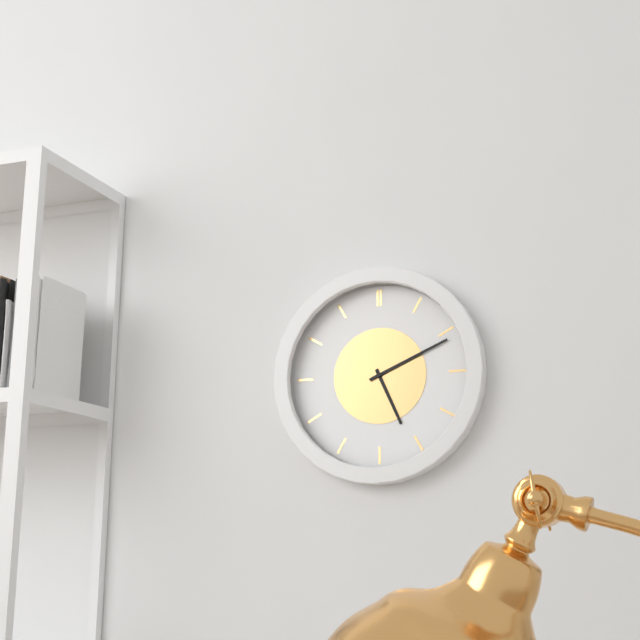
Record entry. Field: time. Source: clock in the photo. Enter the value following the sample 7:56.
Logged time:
5:11
